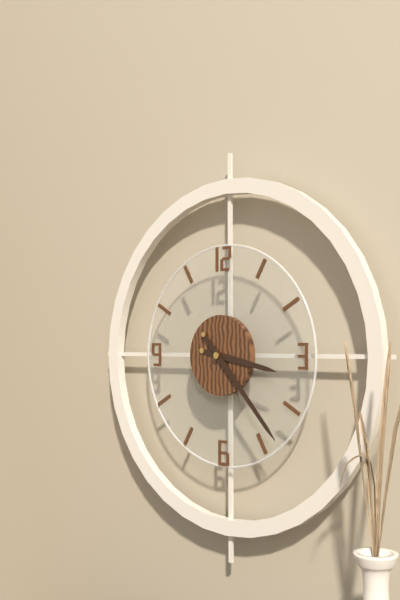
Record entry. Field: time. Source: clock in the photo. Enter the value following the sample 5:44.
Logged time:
3:23
